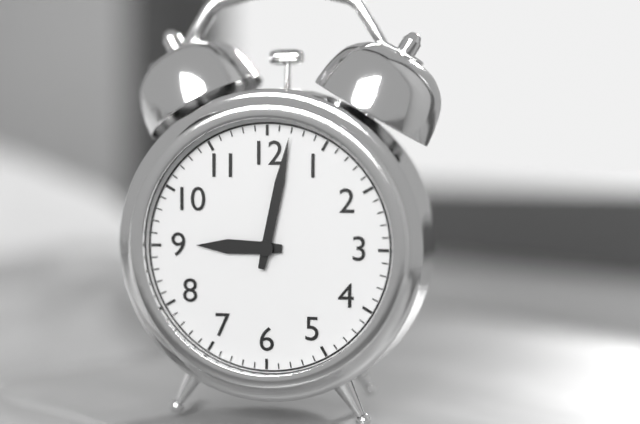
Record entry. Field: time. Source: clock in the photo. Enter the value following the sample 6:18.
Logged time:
9:02
